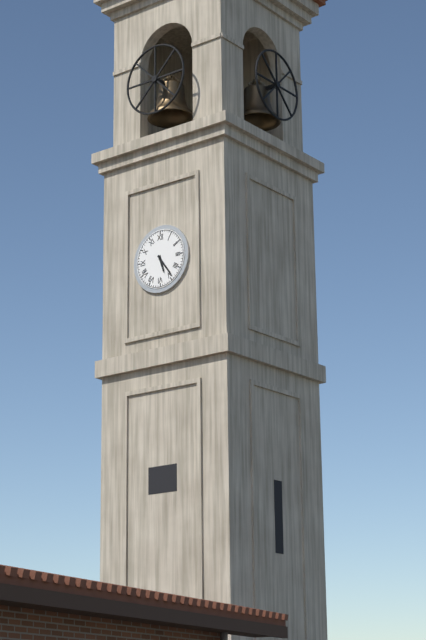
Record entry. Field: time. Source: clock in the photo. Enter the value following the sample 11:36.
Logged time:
5:24
